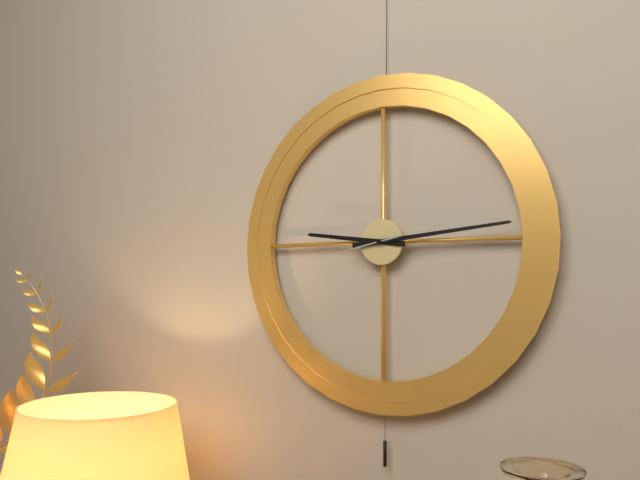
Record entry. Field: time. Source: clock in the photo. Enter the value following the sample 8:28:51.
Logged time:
9:14:43
